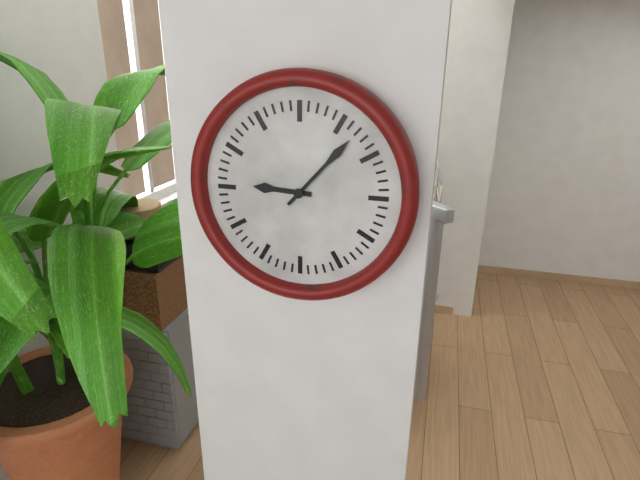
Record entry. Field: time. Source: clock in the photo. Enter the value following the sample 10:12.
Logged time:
9:07
